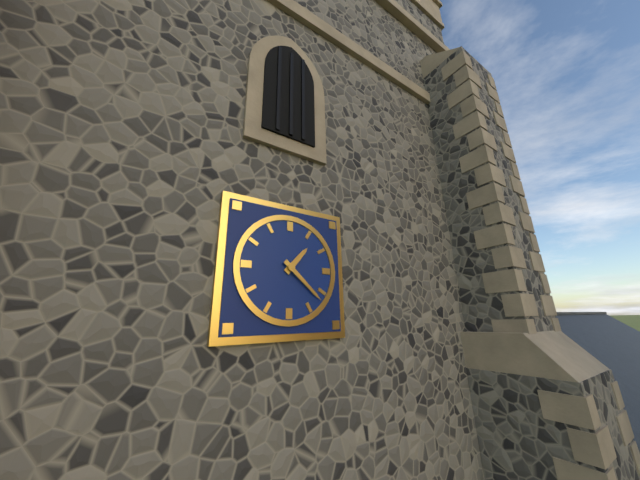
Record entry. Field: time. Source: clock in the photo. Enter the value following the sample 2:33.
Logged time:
1:22
